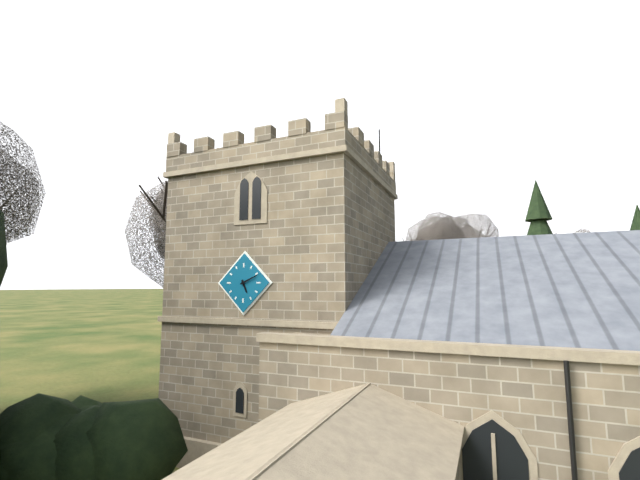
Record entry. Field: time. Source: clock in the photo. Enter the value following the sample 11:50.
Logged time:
5:11
